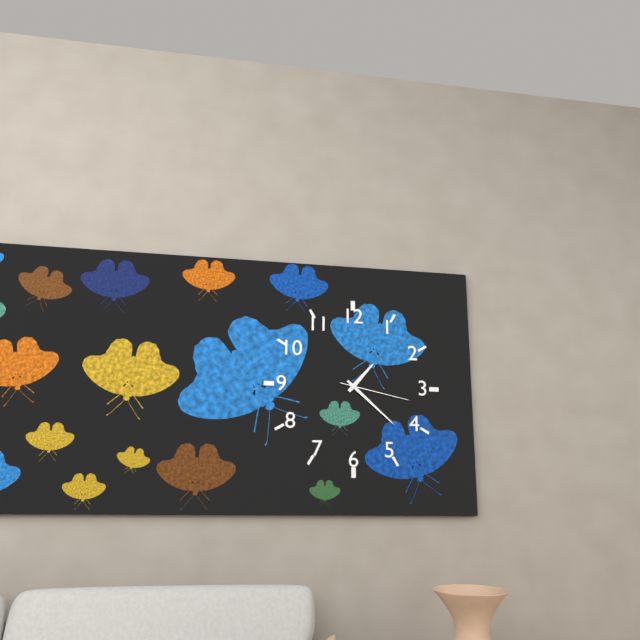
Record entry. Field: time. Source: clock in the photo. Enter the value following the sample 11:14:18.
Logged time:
1:22:17
